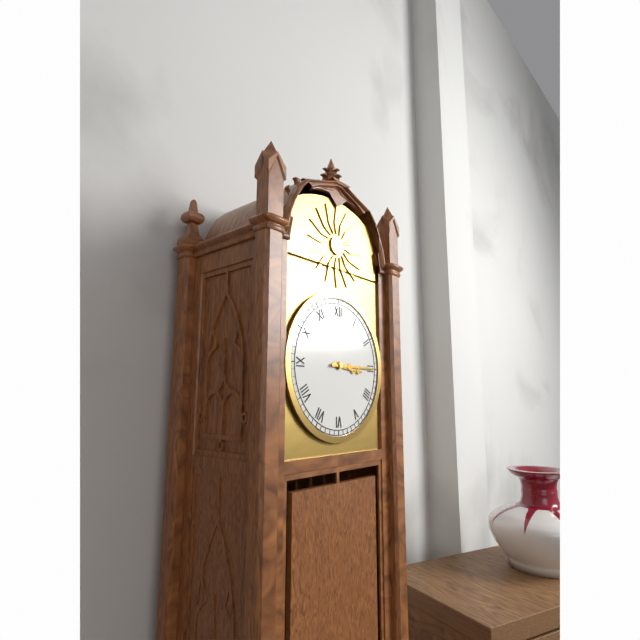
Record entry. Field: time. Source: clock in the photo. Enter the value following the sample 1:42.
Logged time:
3:15
